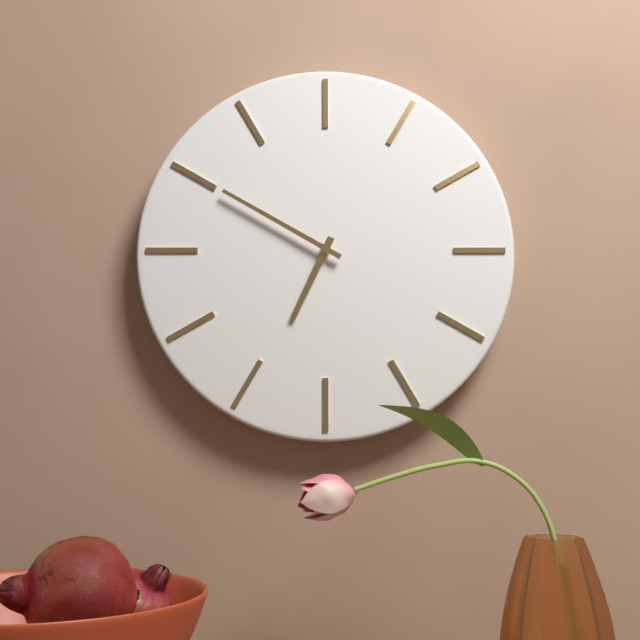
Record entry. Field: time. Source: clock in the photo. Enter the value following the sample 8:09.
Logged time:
6:50
